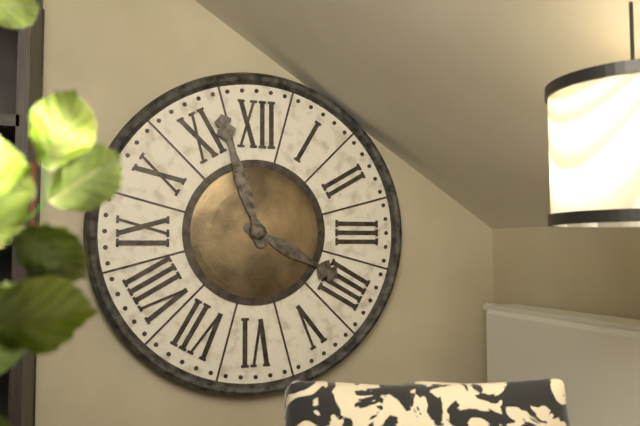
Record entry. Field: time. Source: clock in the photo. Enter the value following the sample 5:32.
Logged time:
3:57
